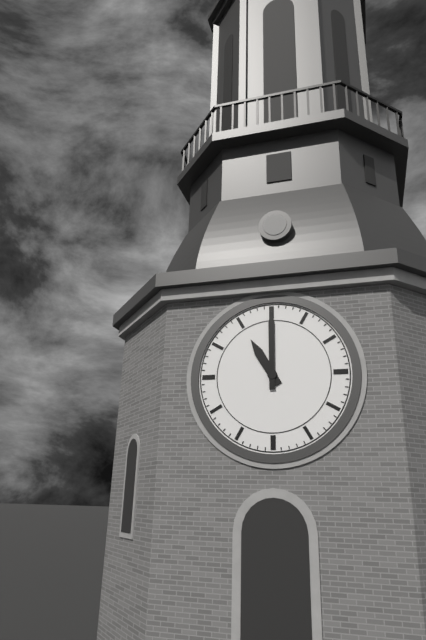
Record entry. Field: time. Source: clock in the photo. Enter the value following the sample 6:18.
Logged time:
11:00
